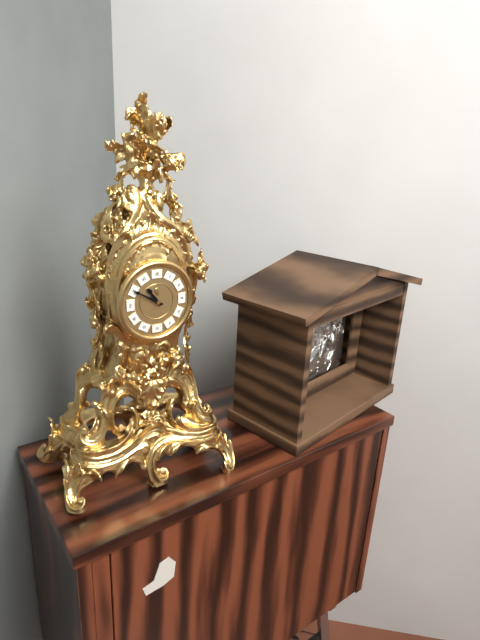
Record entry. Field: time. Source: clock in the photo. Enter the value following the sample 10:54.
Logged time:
10:50
